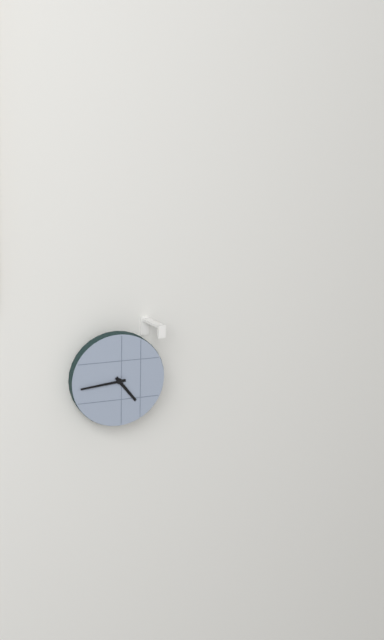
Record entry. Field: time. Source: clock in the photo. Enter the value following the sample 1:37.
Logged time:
4:44
